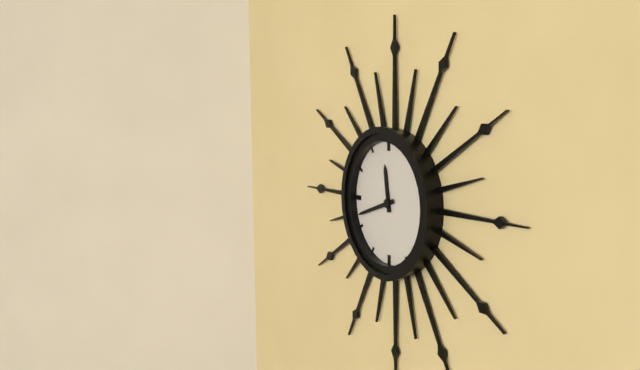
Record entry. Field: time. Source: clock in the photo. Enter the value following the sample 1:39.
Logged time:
11:42
